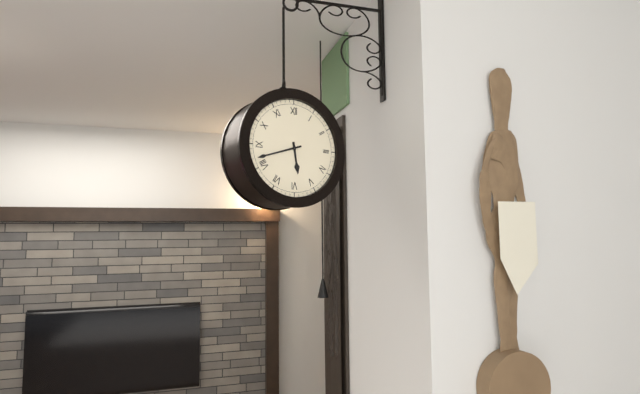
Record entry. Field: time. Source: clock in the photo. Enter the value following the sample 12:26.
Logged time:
5:42
